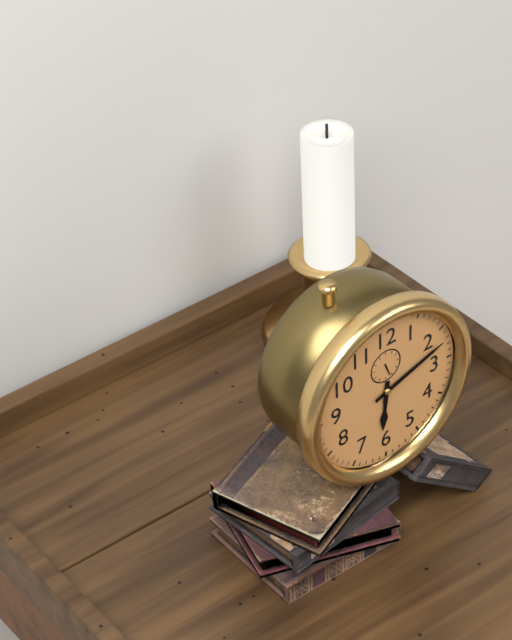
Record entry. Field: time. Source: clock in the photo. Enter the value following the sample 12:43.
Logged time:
6:12
